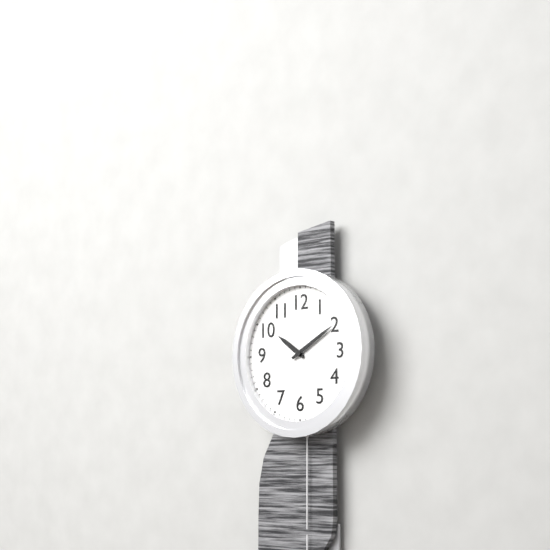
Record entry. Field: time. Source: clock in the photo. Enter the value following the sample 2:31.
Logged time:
10:10
